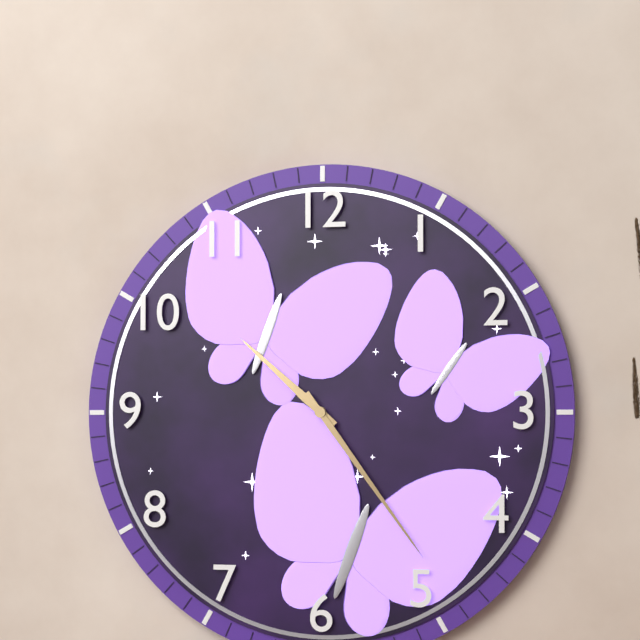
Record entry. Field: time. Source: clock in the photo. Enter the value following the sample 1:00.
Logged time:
10:24
